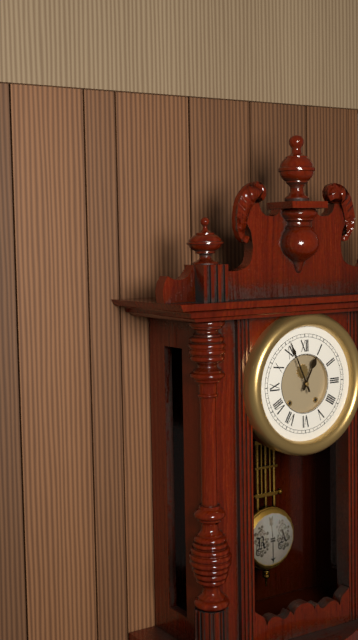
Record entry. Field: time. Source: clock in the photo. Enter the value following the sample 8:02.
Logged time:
12:56
